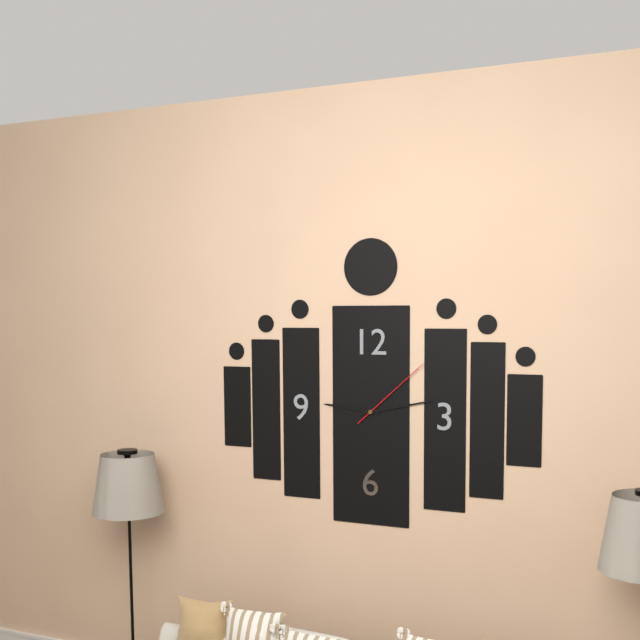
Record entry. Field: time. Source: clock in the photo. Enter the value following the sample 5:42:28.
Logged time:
9:13:08
